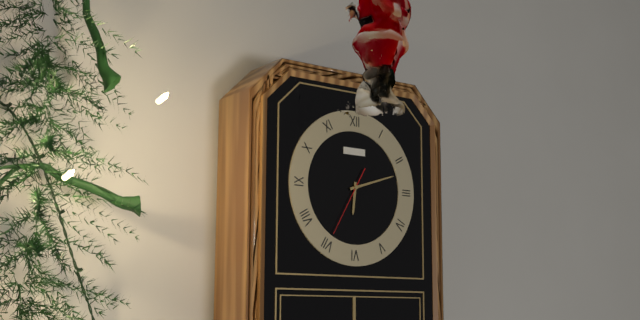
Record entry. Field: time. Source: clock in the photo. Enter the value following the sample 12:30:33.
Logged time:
6:12:35
